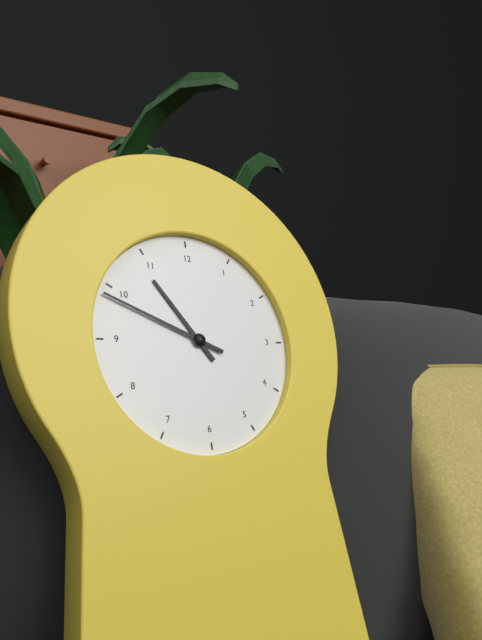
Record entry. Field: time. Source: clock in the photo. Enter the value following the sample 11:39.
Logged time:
10:49
